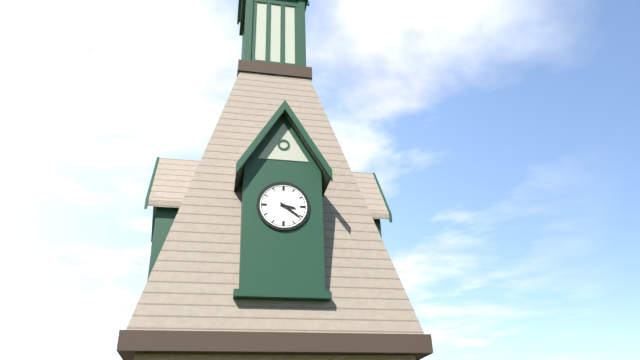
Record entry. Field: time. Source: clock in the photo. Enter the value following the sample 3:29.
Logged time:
3:21
